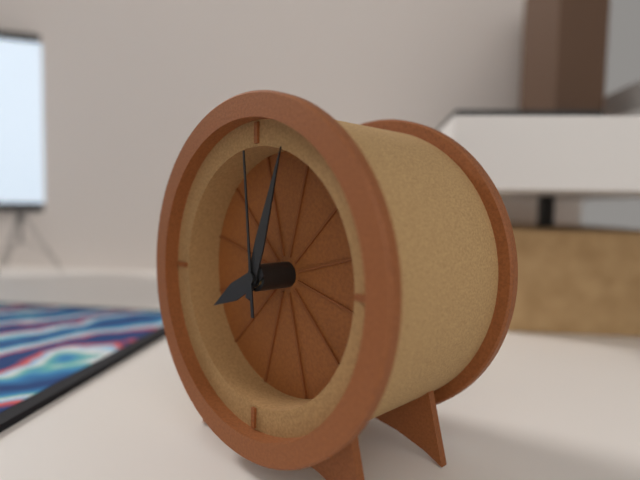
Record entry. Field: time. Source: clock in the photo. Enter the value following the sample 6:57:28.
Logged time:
8:03:59
